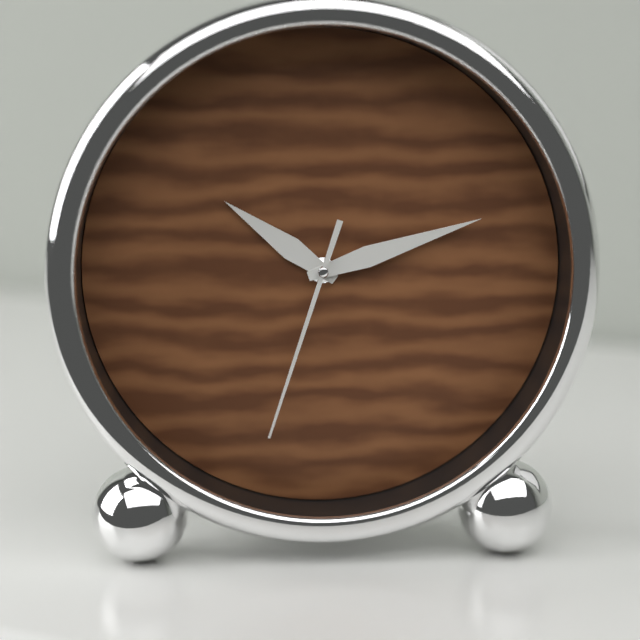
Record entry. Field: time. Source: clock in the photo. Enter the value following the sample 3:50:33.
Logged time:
10:12:33
